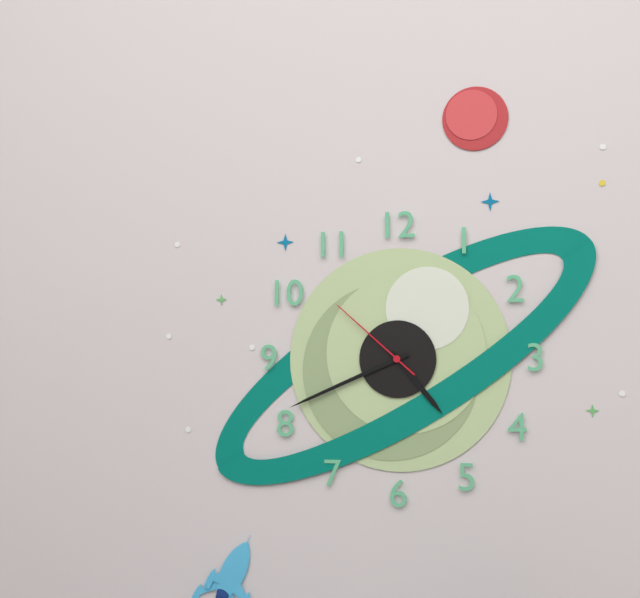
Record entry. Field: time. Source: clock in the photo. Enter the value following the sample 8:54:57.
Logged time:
4:41:52
